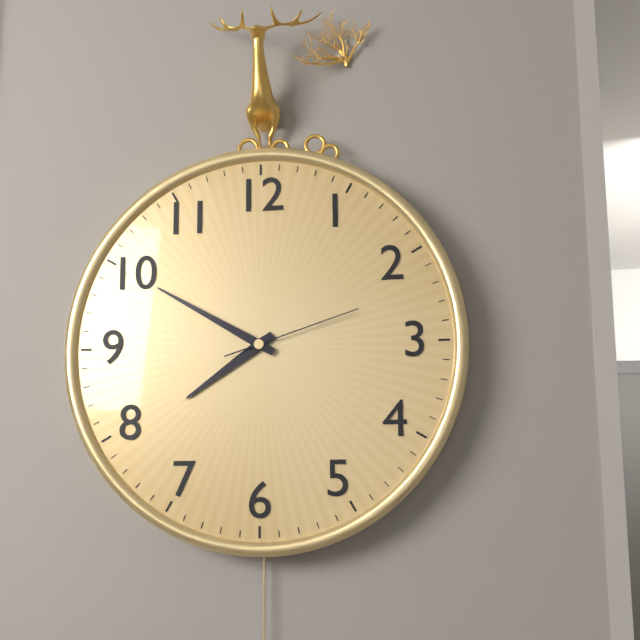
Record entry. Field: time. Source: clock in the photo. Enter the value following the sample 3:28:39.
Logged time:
7:50:12
